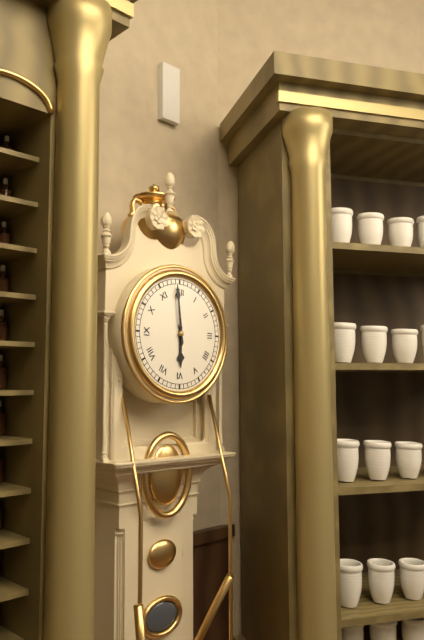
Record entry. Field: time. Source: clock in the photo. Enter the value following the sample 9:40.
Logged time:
5:59
